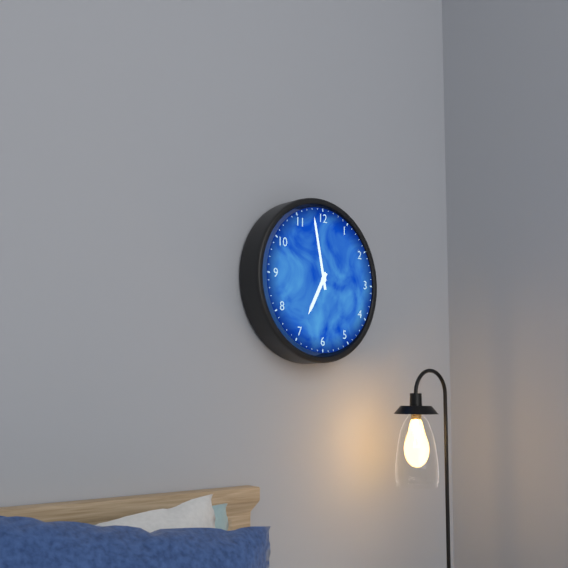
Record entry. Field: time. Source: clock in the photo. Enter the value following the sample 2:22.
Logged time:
6:58
